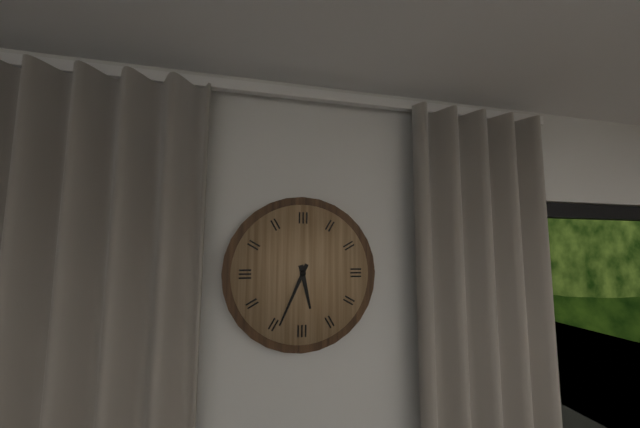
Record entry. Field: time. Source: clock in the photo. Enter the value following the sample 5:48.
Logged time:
5:34
